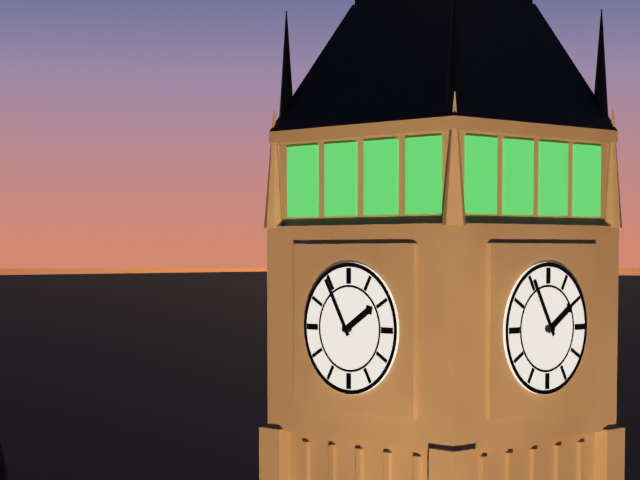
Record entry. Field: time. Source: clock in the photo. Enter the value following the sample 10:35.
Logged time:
1:55
